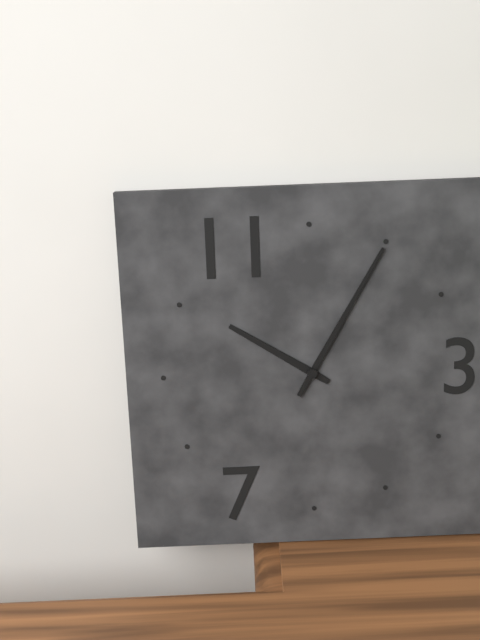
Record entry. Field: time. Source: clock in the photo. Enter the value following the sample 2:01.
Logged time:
10:05
